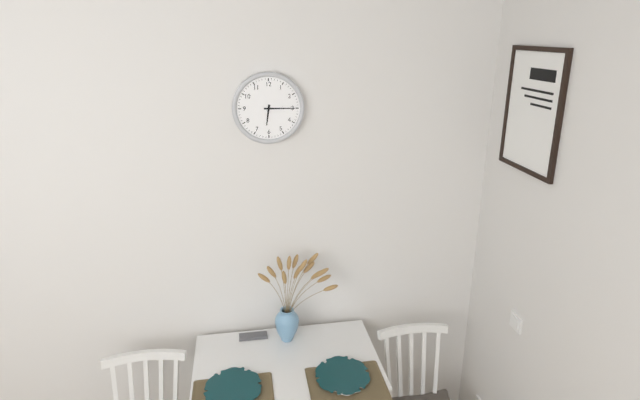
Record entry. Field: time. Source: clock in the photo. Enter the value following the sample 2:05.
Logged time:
6:15
